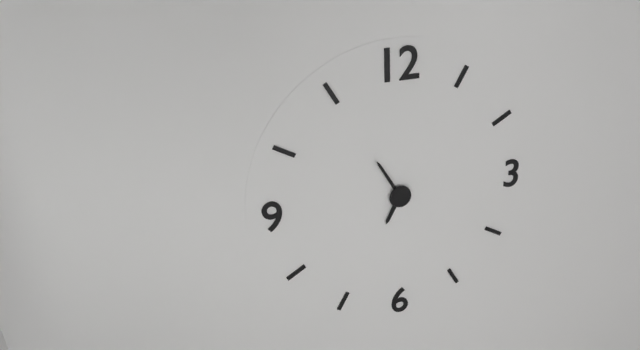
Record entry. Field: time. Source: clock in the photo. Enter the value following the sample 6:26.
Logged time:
6:55
